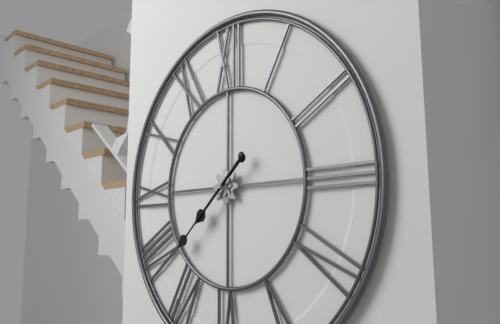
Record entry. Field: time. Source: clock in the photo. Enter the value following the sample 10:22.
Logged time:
7:38
